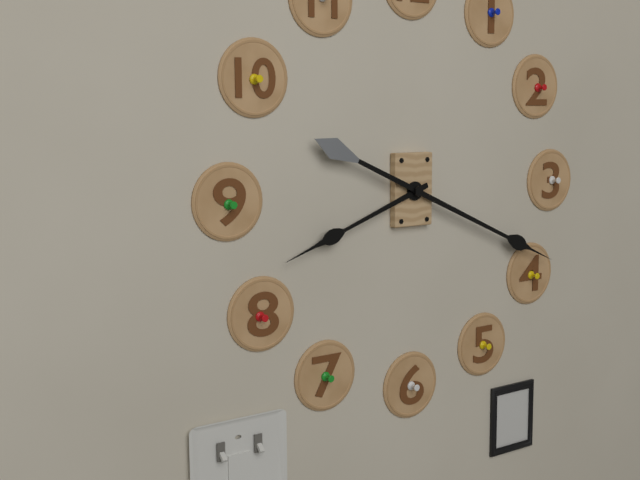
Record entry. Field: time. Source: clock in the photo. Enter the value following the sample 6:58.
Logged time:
8:19
